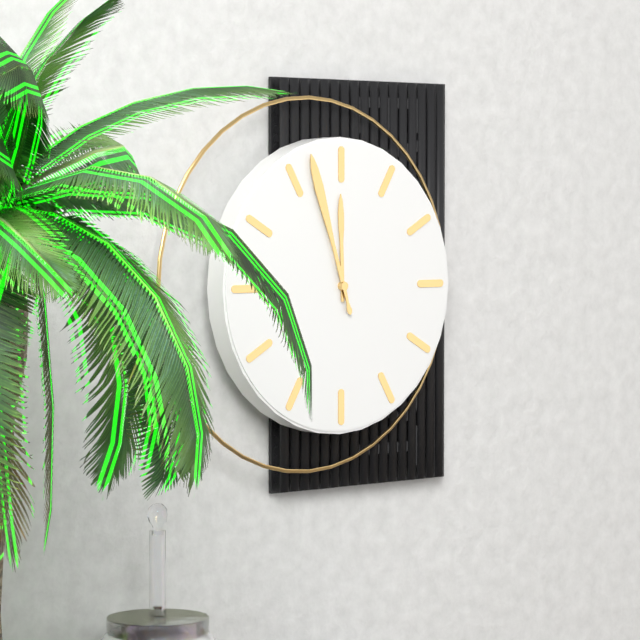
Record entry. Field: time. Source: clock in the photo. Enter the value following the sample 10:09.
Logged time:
11:57
